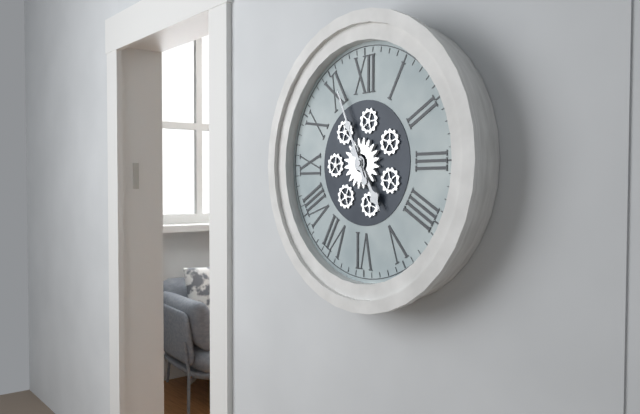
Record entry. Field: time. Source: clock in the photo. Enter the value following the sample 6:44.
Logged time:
4:56
